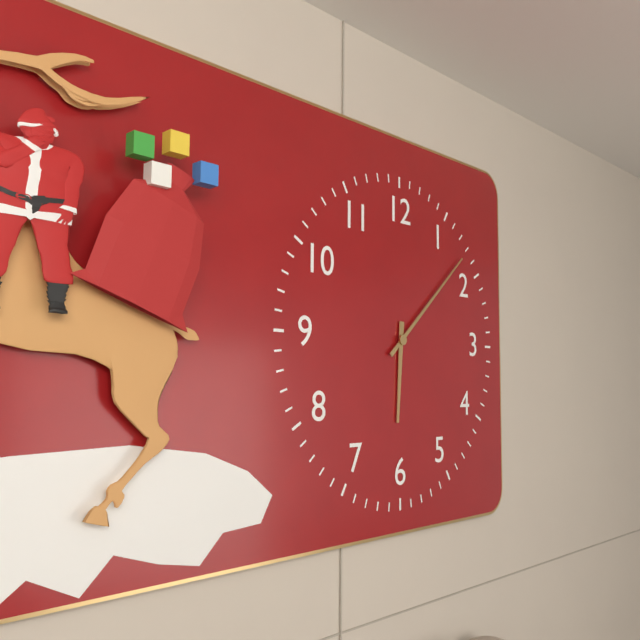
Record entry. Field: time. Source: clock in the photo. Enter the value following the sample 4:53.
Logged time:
6:08
